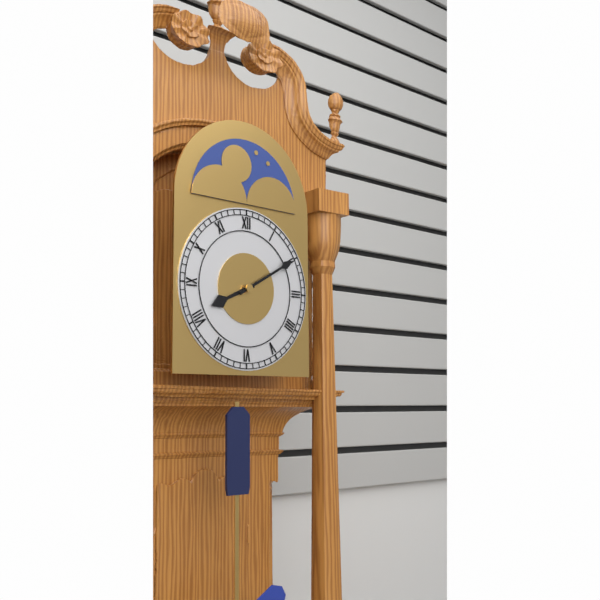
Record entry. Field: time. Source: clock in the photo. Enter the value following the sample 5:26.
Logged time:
8:10
